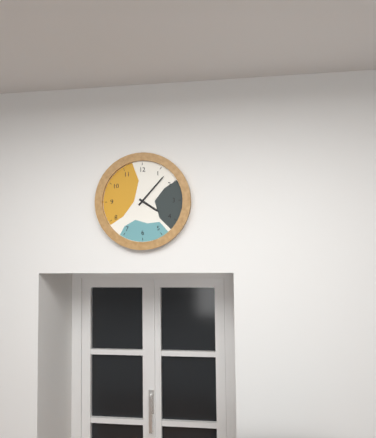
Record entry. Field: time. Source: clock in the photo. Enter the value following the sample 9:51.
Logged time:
4:07
